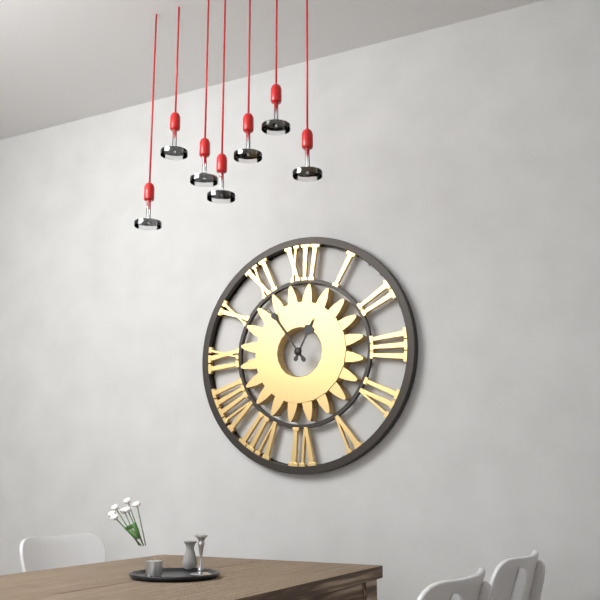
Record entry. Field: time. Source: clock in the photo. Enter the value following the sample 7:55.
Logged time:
12:54
